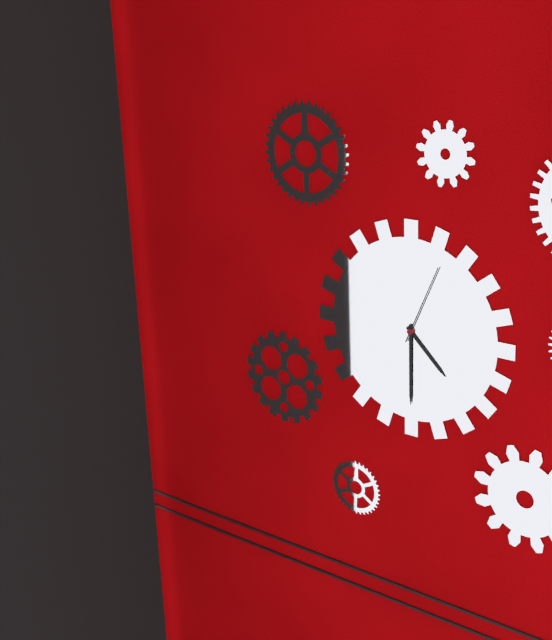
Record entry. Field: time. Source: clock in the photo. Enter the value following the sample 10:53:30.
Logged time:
4:30:04
